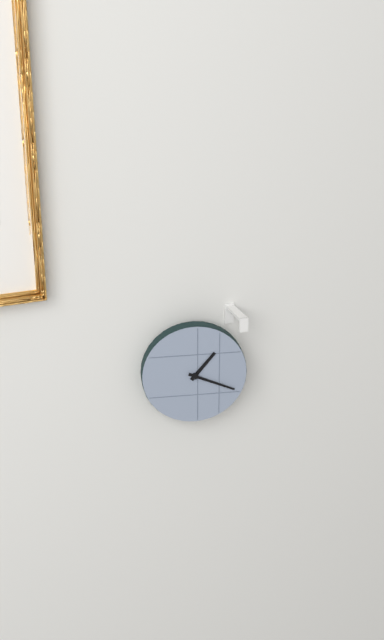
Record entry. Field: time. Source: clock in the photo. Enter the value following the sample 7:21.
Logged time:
1:19
